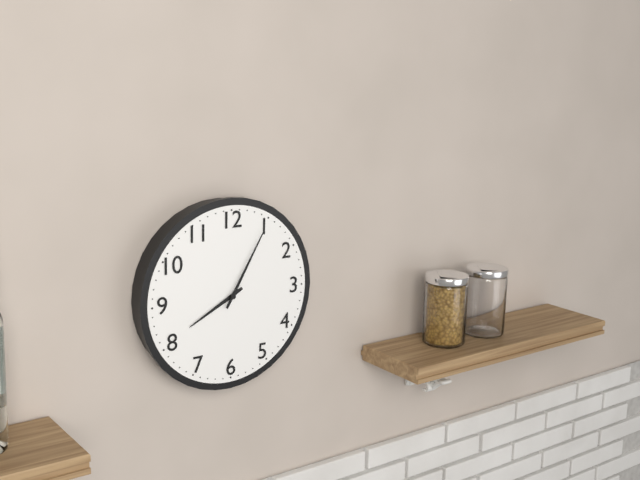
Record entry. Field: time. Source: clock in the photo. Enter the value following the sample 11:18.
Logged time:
8:05
